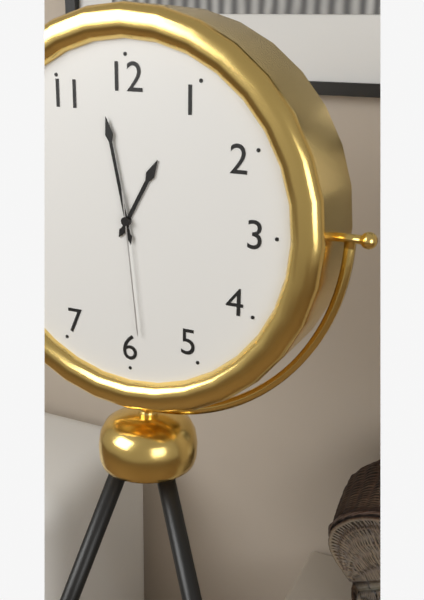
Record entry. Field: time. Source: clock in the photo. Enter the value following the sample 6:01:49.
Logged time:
12:58:29
